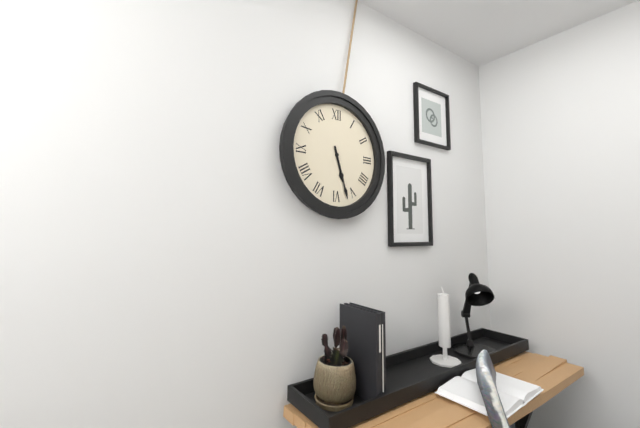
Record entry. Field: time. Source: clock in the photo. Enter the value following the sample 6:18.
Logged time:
5:27
